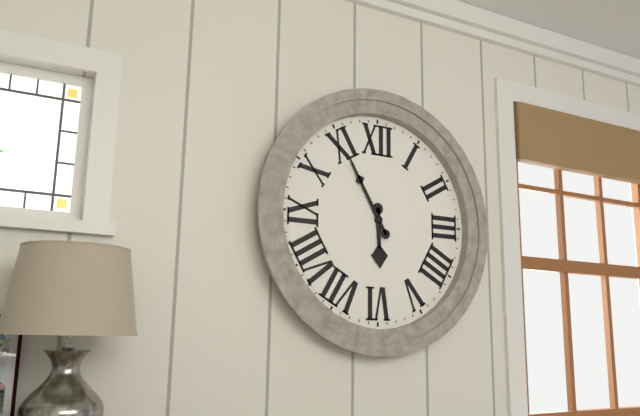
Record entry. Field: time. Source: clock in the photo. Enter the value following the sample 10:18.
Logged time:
5:55
